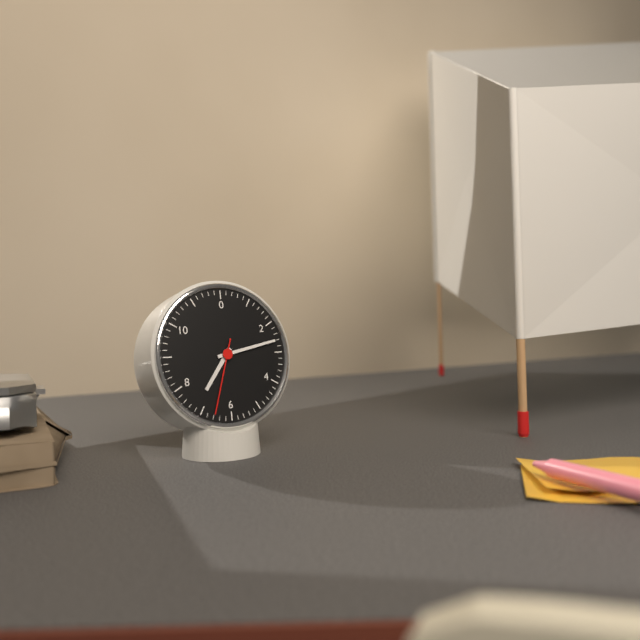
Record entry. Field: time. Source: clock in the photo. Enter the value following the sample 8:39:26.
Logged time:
7:13:33
